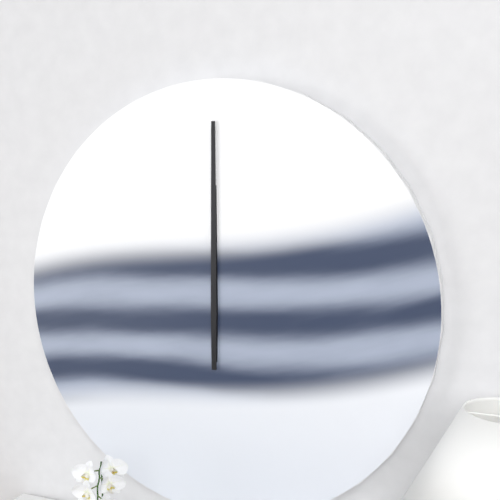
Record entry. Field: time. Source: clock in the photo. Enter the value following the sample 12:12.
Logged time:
12:00
